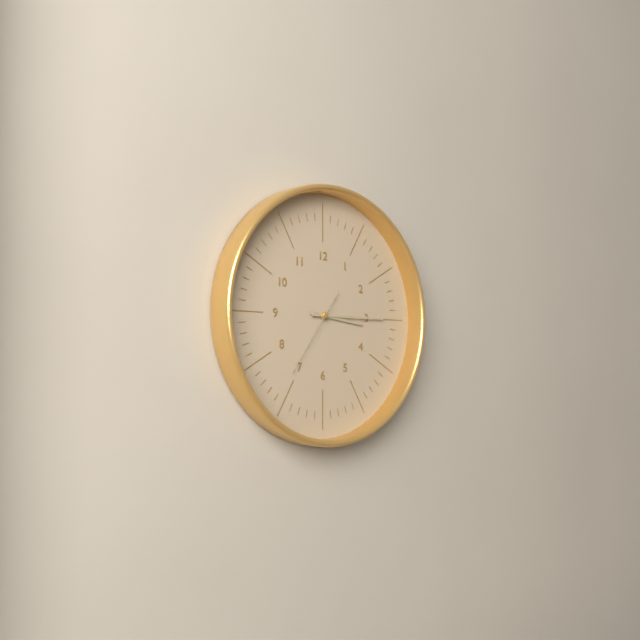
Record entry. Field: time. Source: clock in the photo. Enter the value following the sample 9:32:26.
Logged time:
3:15:36
